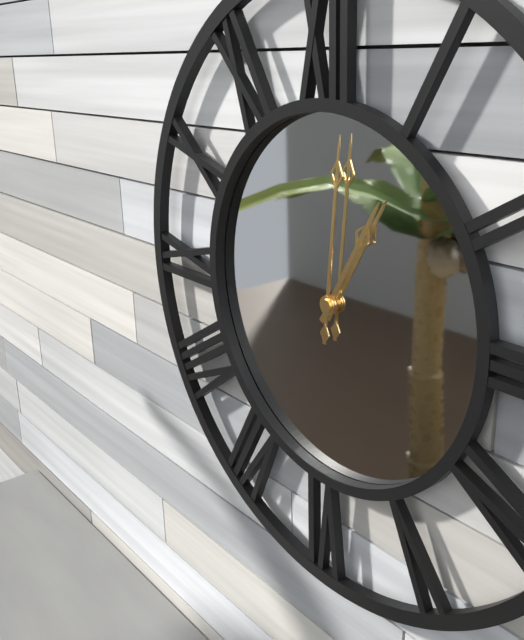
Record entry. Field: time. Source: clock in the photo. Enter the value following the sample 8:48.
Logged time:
1:01
